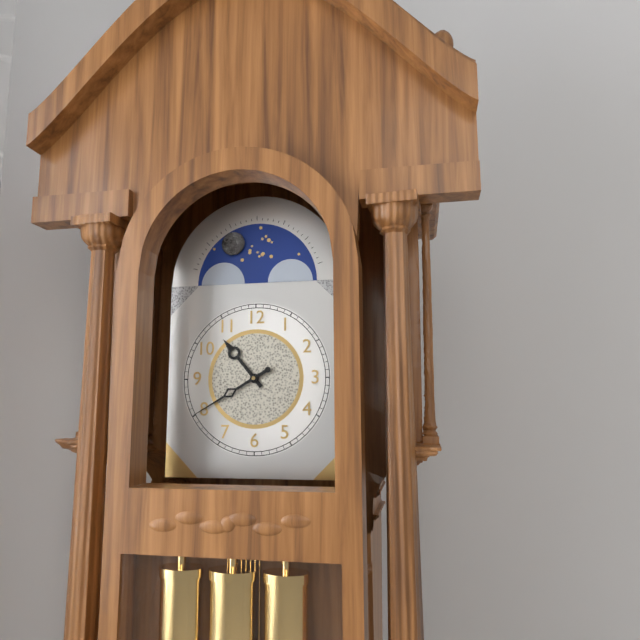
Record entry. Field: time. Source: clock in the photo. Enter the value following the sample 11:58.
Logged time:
10:40
